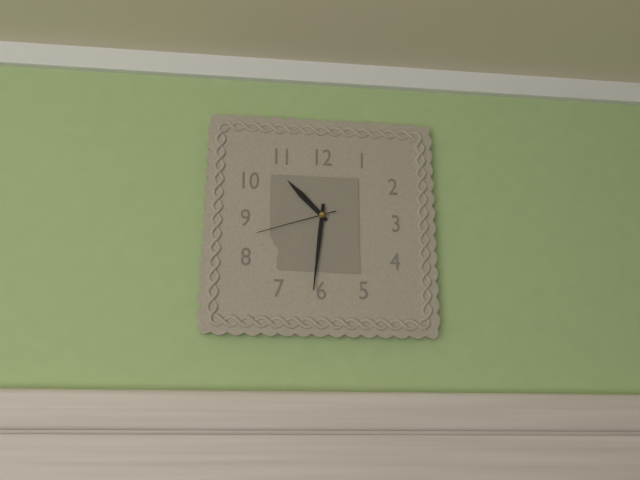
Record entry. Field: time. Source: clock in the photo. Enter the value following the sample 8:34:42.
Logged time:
10:31:42
